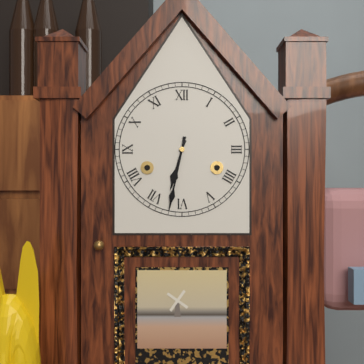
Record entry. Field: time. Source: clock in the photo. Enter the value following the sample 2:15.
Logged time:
6:32
